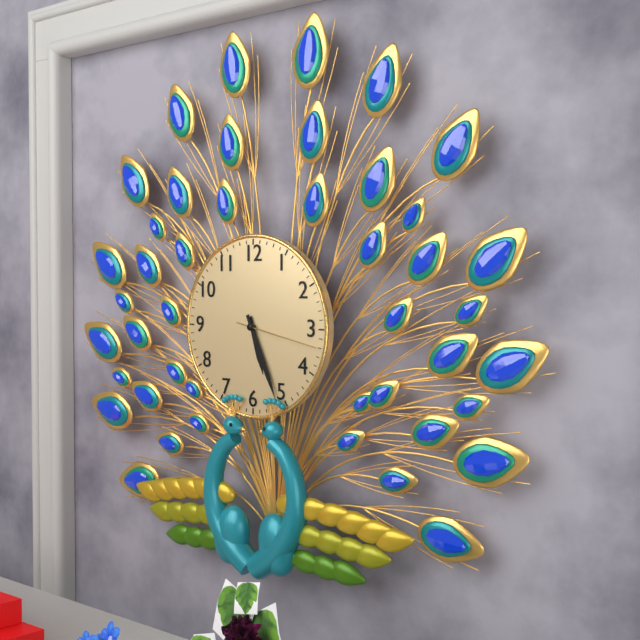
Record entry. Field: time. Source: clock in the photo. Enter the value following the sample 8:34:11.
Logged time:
5:26:17
